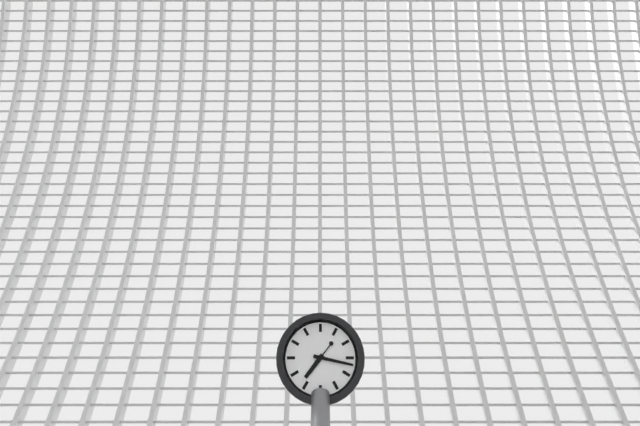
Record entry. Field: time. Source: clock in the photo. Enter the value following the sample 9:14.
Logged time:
7:17
